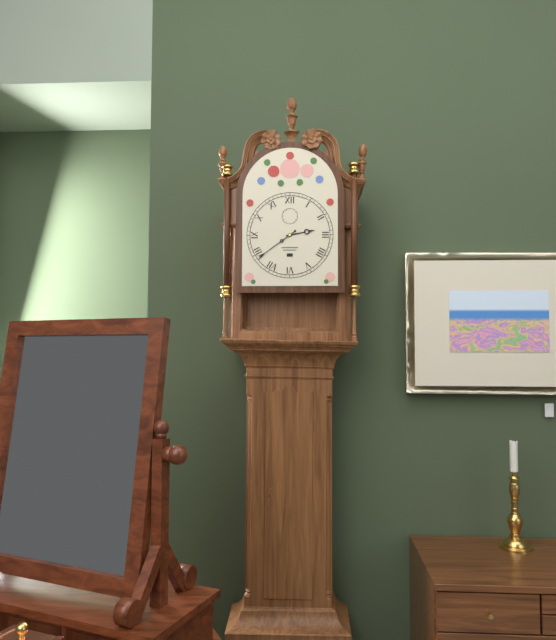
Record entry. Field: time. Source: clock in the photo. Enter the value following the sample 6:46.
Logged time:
2:39
